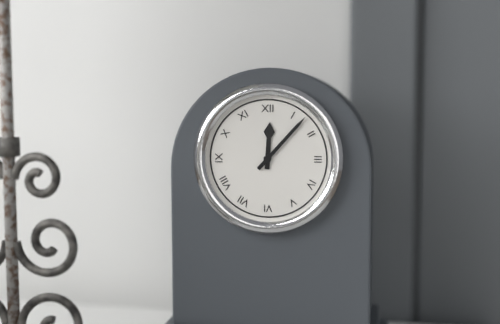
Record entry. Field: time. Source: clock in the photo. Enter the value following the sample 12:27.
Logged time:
12:07
